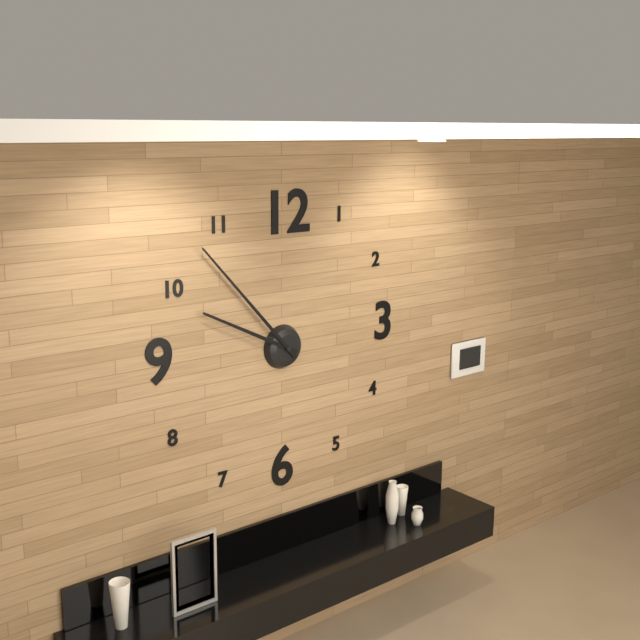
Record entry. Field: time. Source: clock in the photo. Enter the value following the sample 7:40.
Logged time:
9:53
